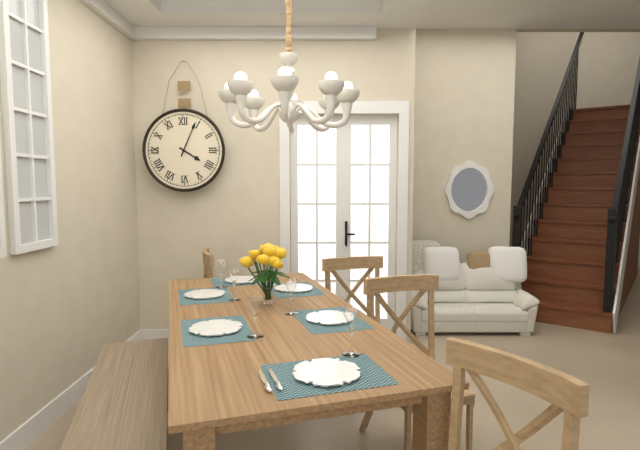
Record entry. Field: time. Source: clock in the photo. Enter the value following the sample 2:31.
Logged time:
4:04
